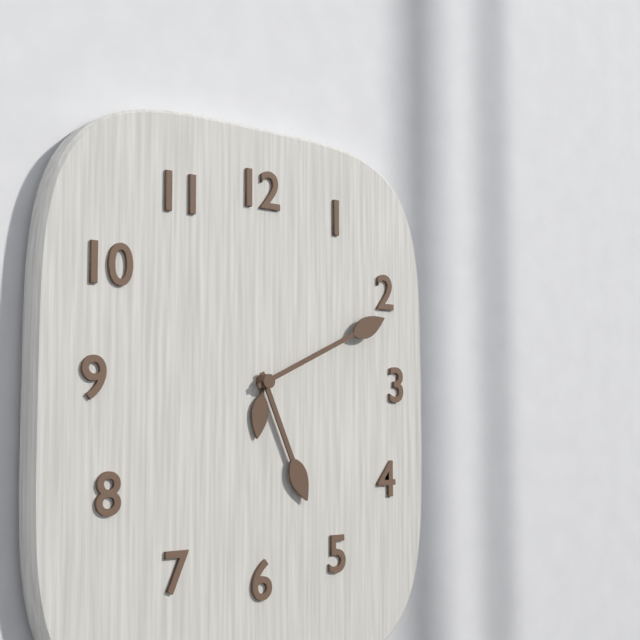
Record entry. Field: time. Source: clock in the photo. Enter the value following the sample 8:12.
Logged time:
5:11
